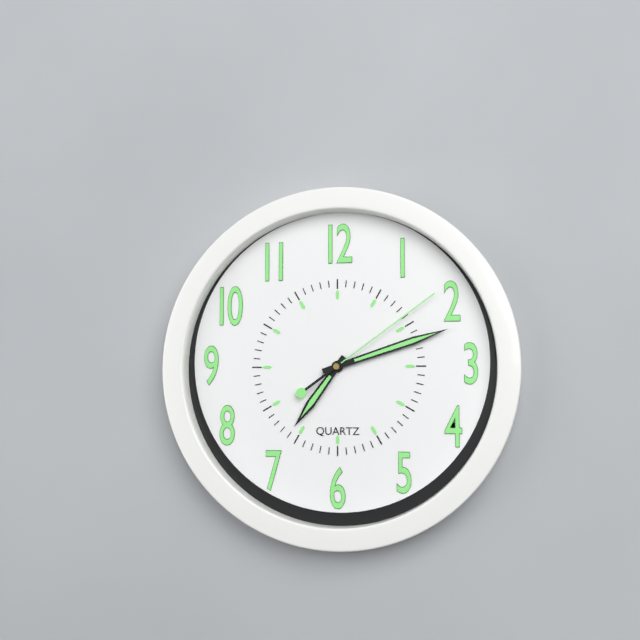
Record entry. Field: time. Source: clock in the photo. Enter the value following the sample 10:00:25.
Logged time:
7:12:09
